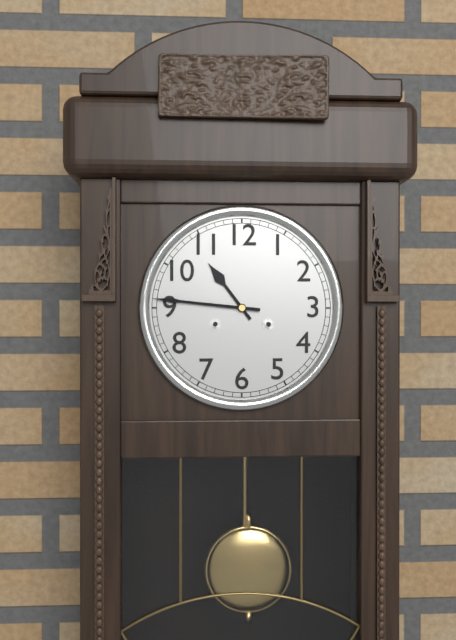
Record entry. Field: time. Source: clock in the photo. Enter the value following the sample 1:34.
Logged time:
10:46
